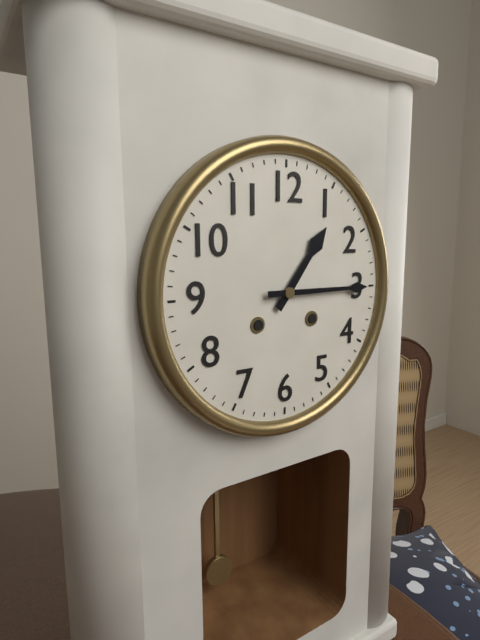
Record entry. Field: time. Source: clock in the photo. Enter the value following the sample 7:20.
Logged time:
1:15
